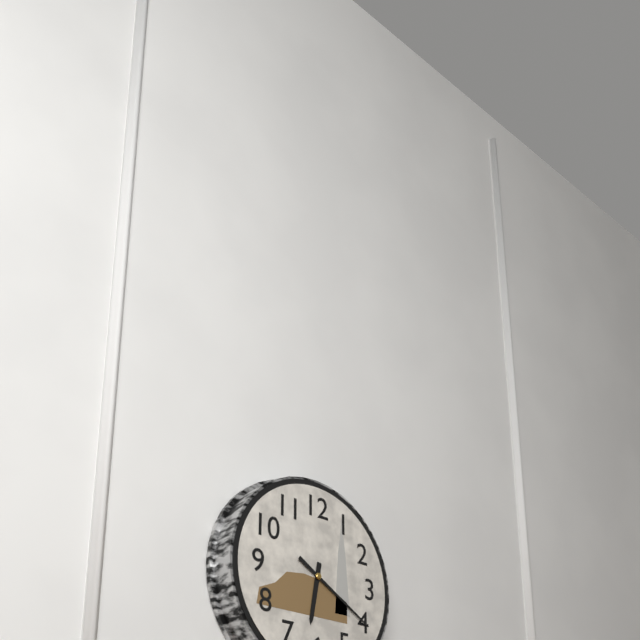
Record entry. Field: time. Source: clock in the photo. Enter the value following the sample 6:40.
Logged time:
6:20
